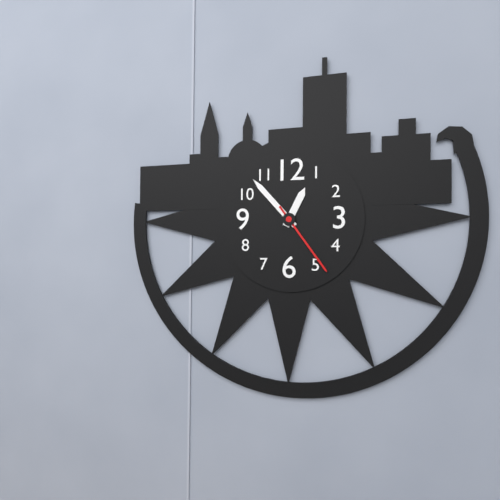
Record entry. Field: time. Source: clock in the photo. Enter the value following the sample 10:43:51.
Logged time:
12:53:24
